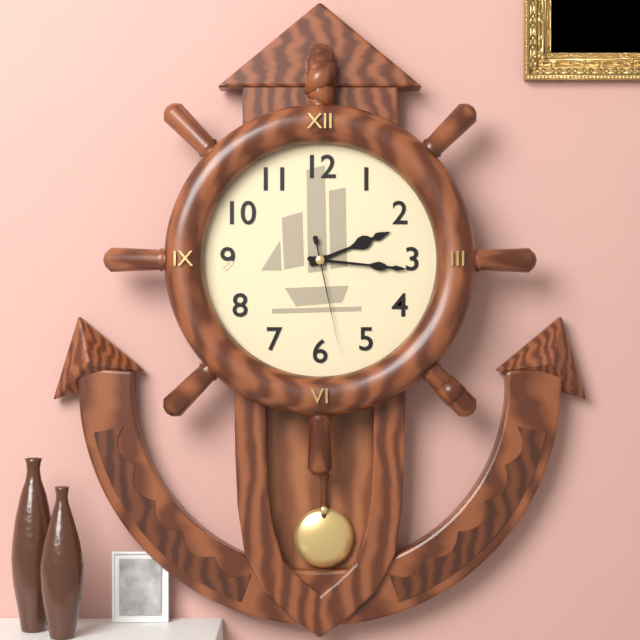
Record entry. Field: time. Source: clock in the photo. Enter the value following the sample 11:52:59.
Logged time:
2:16:28
